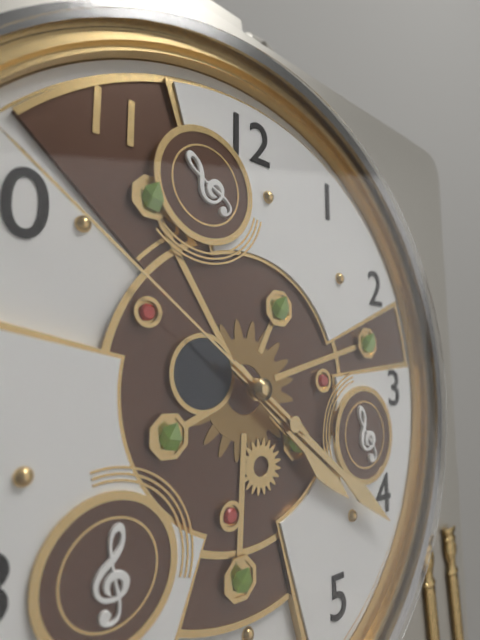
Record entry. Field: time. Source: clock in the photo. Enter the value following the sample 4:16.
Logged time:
4:21
